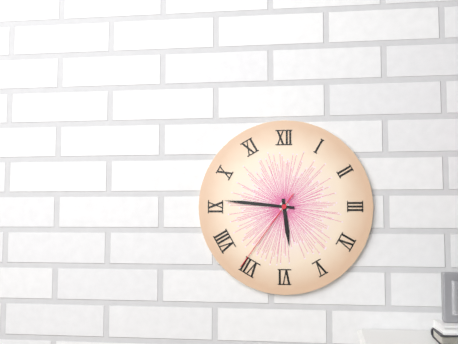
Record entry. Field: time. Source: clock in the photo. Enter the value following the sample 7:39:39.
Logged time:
5:46:36
